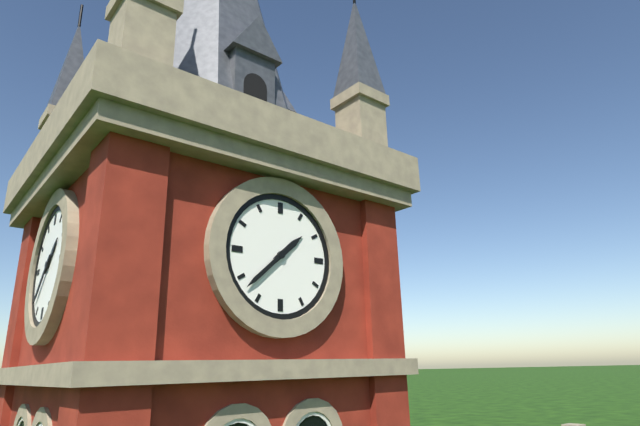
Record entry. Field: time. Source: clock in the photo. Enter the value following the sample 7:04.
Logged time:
1:38
